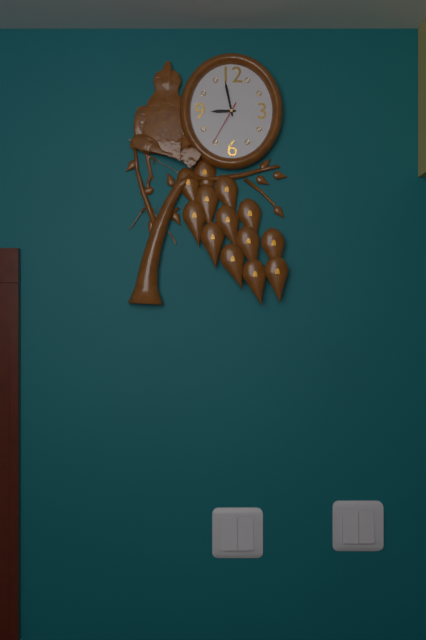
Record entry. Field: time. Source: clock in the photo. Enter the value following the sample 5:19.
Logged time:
8:58
